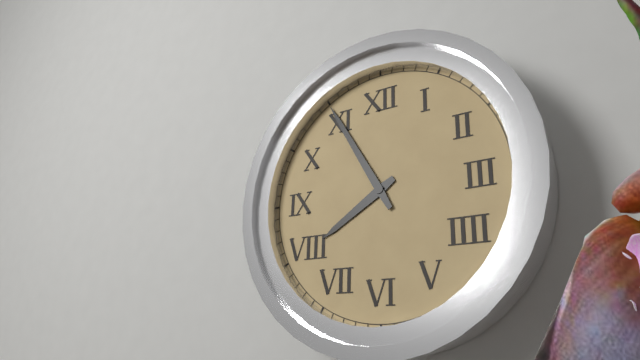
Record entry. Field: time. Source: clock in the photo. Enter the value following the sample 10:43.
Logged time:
7:55
